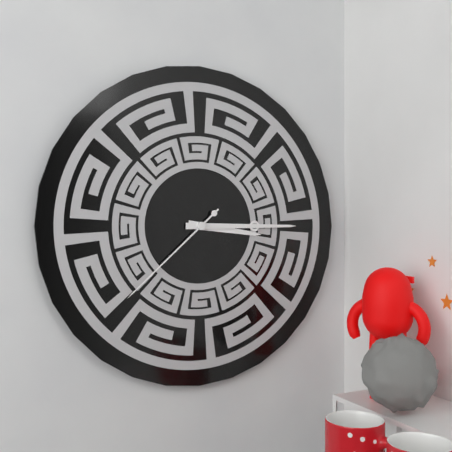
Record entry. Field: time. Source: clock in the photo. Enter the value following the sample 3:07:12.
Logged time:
3:15:38
